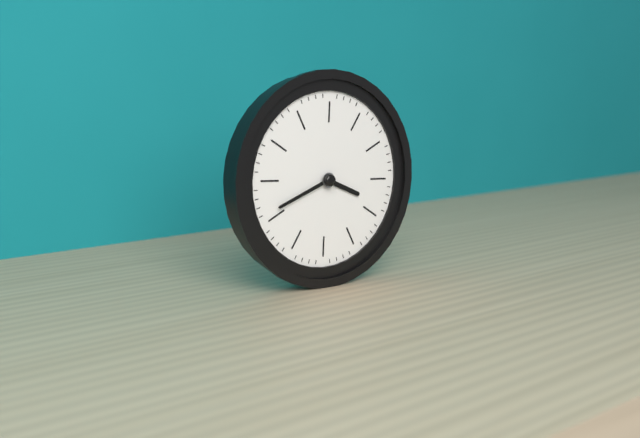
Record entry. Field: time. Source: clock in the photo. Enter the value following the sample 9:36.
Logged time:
3:41
